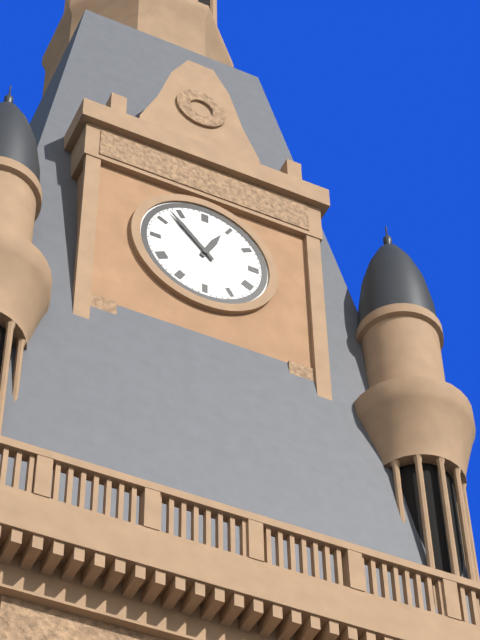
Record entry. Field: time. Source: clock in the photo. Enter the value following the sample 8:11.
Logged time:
12:53
